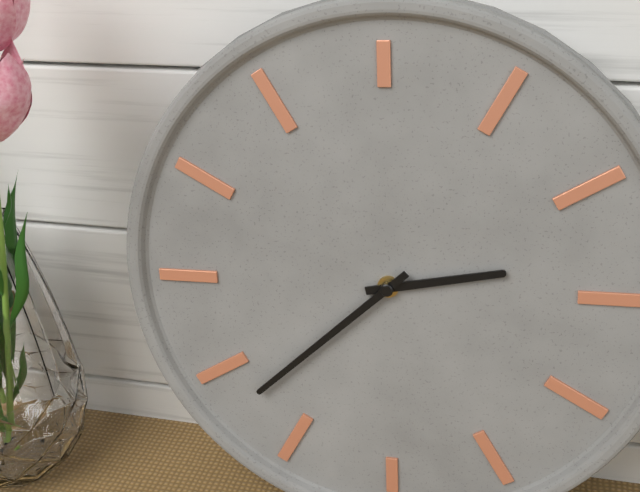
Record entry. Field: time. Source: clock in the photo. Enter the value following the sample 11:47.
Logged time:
2:38
